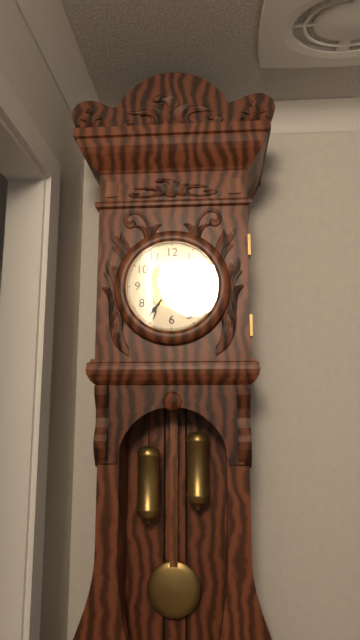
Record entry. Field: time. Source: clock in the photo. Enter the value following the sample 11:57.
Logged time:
12:36
